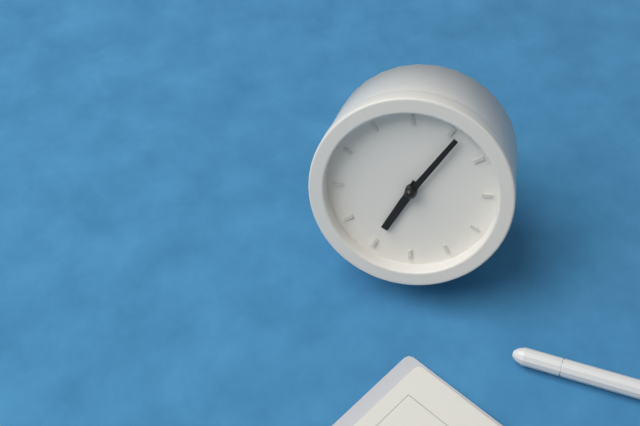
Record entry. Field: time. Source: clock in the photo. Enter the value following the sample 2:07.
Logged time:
6:01
